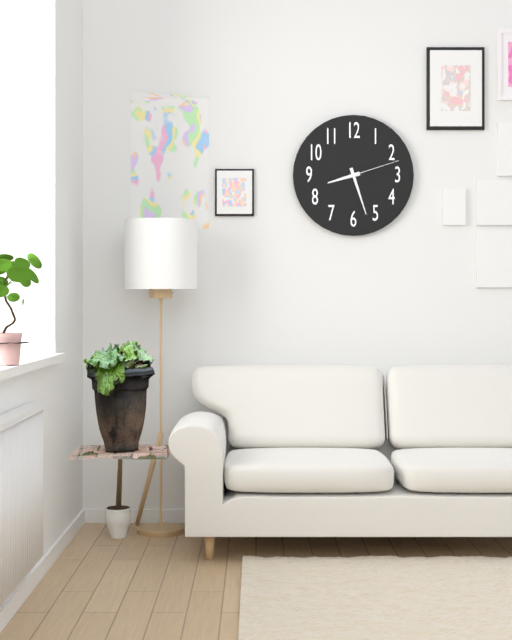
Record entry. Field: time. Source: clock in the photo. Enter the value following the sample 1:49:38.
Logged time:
8:27:12
